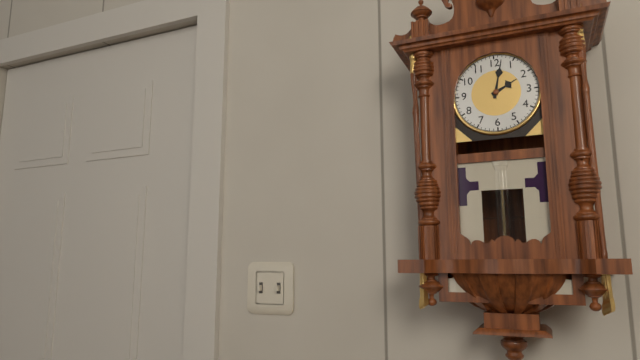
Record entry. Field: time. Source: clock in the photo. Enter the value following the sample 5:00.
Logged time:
2:02
